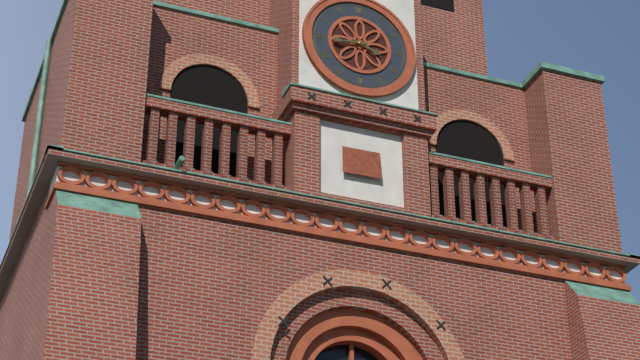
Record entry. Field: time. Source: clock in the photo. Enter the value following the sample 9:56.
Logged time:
3:44
